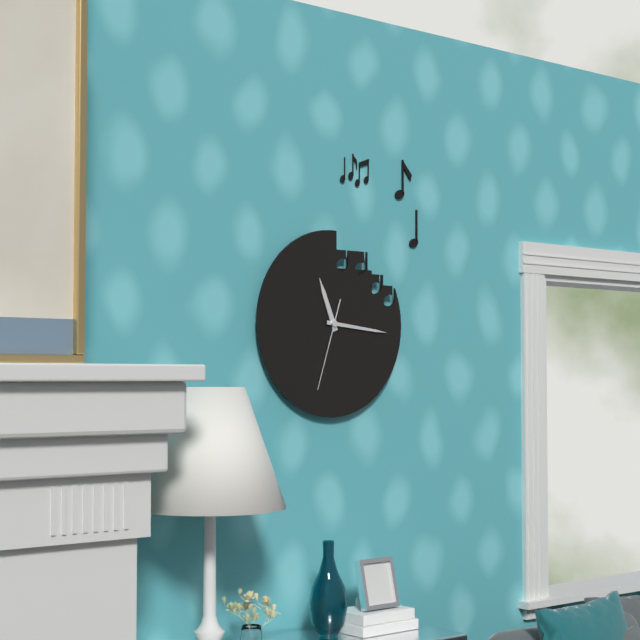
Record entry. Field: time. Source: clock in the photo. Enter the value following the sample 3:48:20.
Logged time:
11:16:33
